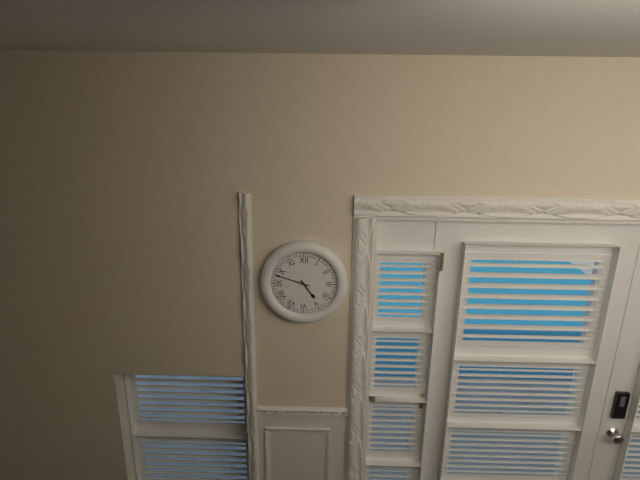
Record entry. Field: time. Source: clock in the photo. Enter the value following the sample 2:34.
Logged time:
4:48
